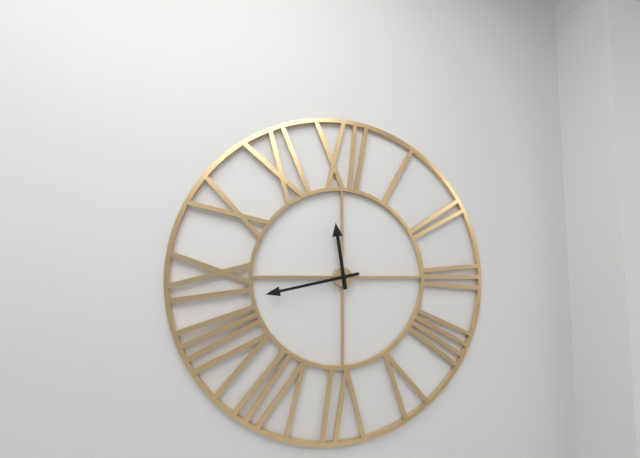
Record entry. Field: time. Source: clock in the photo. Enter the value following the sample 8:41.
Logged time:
11:43
